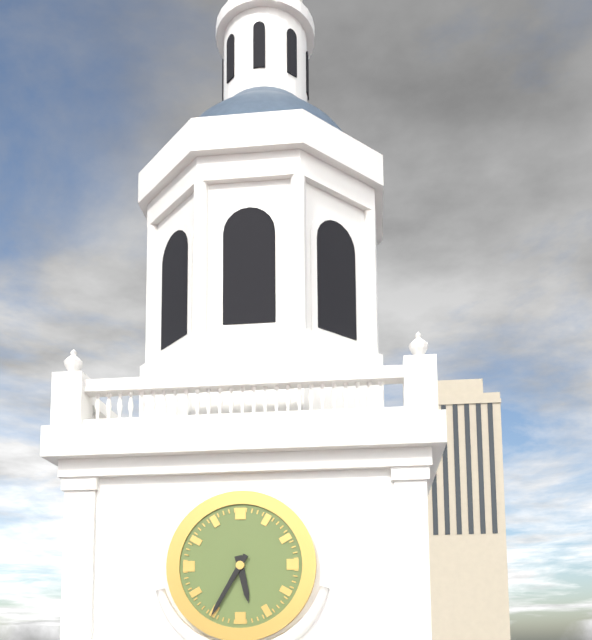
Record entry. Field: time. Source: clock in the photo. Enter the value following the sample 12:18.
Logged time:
5:35
